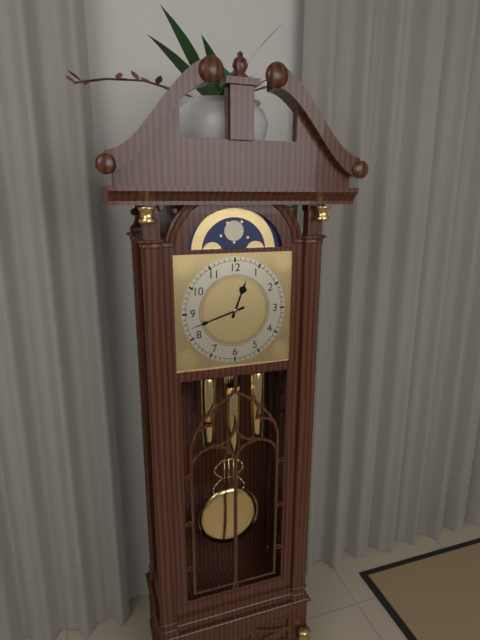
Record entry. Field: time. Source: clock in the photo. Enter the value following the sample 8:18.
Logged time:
12:42
